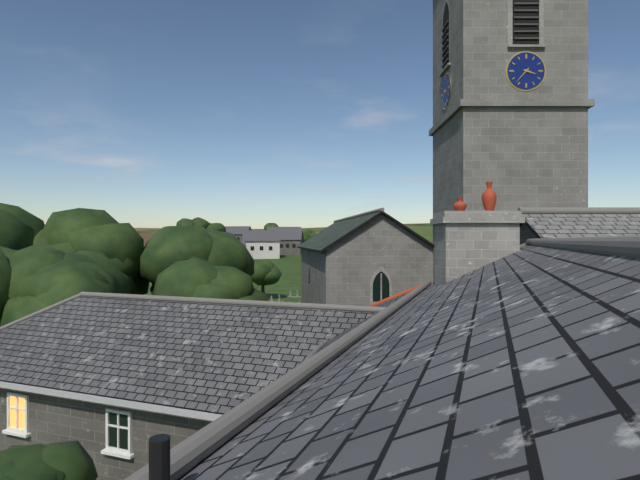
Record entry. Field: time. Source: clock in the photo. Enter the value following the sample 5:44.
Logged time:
3:37
